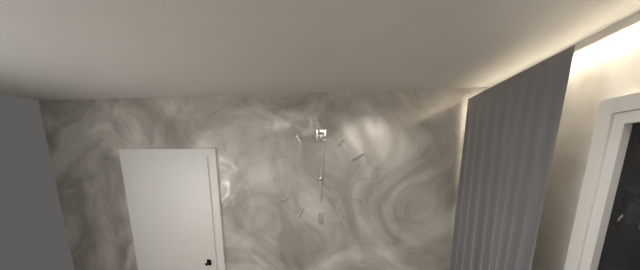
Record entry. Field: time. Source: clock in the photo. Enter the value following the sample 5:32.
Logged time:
6:01
